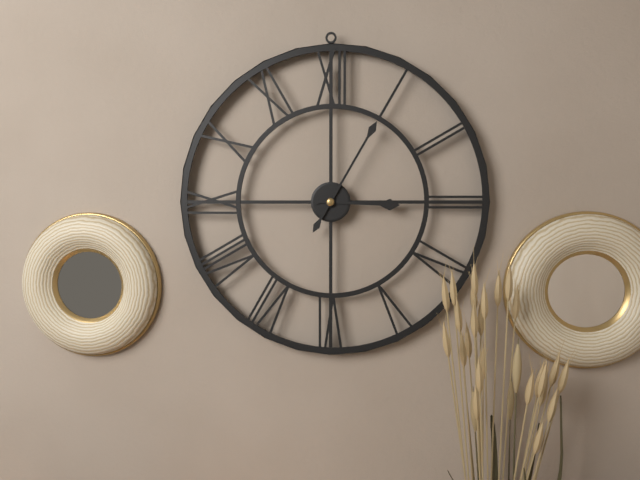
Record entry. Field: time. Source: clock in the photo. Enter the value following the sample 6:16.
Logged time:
3:05
